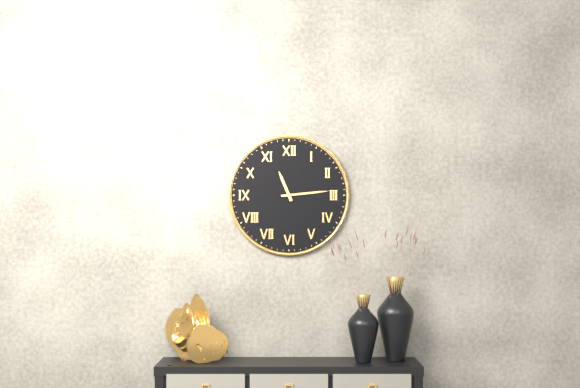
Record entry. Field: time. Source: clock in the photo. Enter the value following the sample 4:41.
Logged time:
11:14
